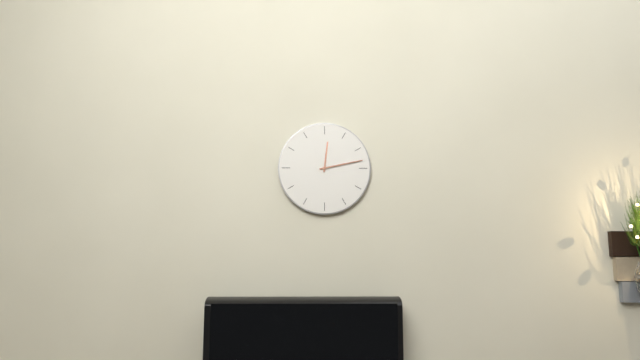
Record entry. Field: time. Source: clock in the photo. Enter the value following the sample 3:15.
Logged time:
12:13
